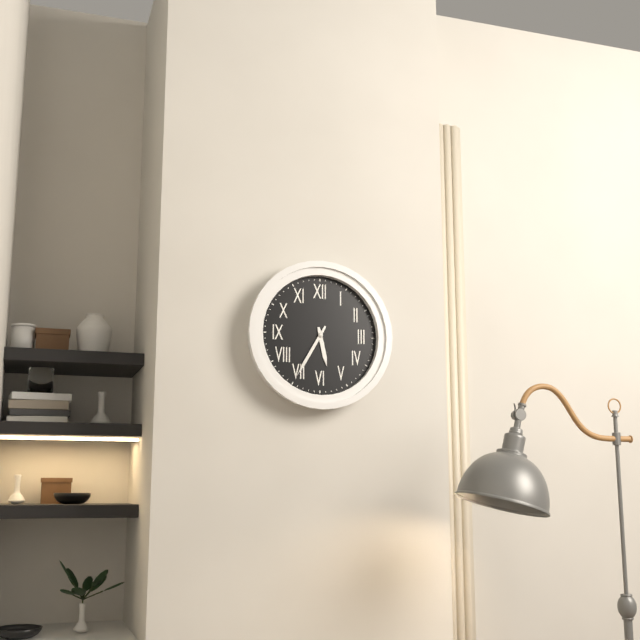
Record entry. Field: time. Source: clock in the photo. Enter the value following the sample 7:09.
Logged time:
5:35
